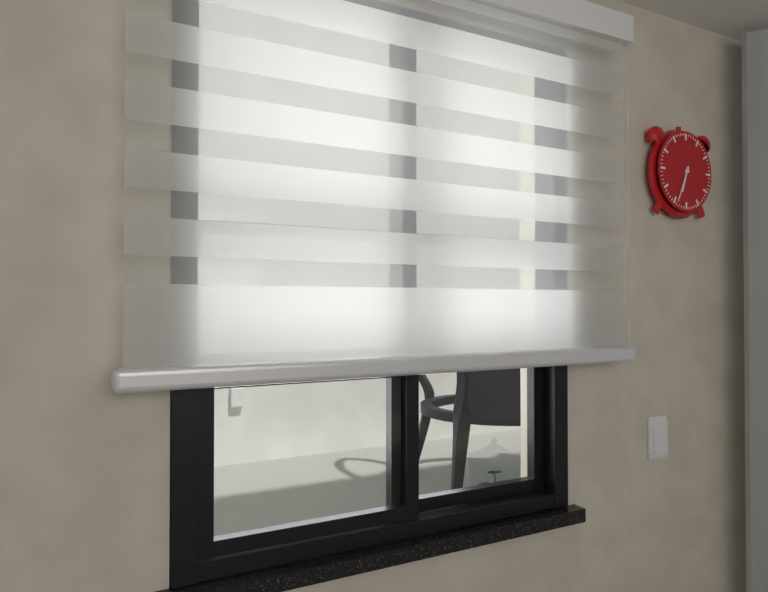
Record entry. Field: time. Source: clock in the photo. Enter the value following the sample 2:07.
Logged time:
6:34
